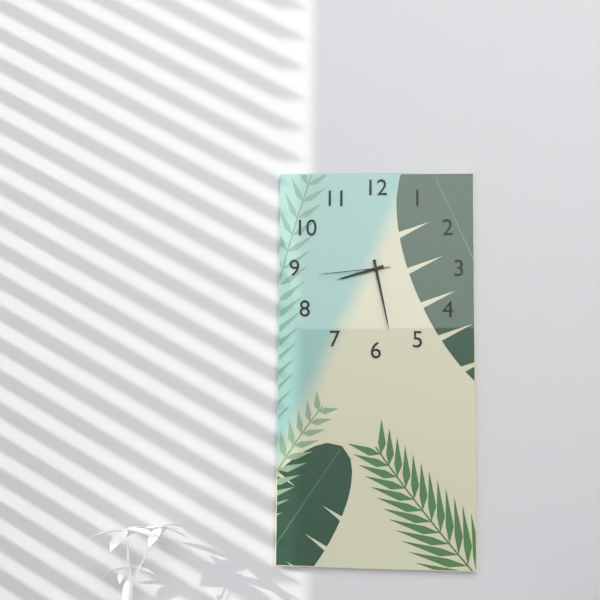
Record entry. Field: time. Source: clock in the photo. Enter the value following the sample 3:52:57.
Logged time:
8:28:44
